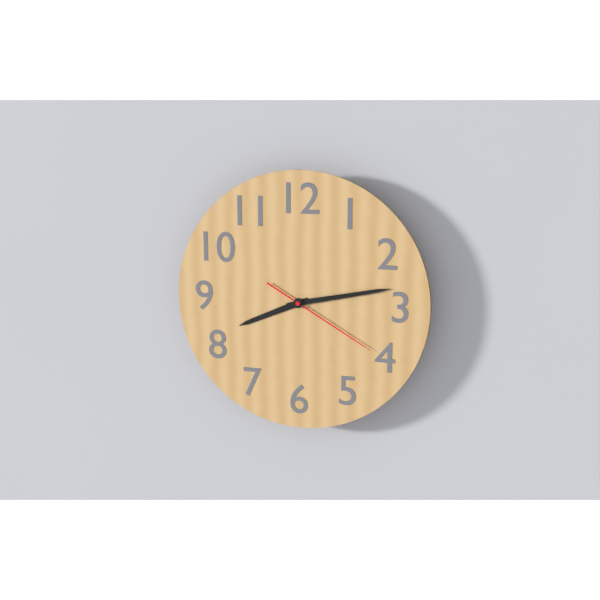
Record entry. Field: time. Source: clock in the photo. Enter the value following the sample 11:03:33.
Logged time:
8:13:20
